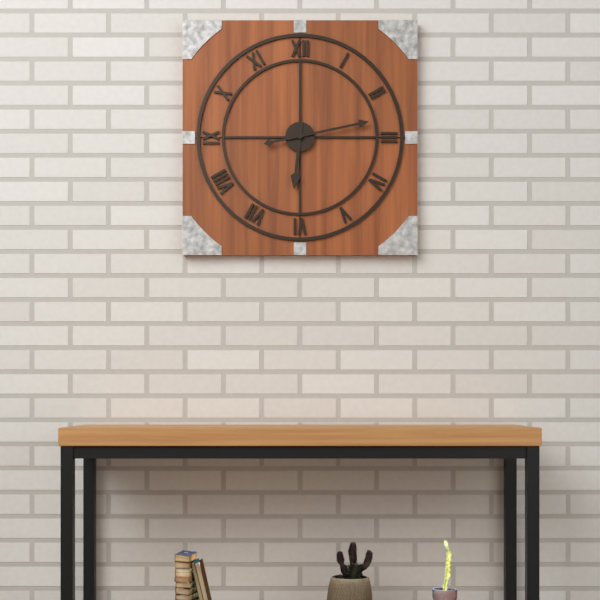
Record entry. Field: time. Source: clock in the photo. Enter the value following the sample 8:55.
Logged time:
6:13
